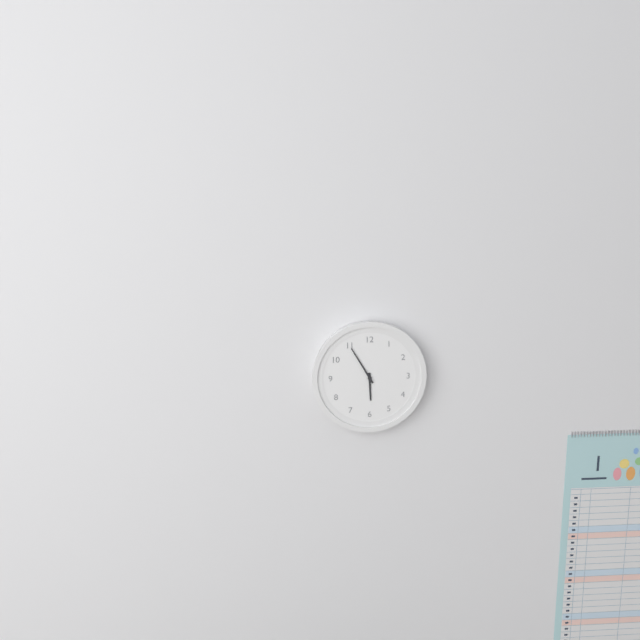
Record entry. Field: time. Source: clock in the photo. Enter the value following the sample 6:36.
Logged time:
5:55
